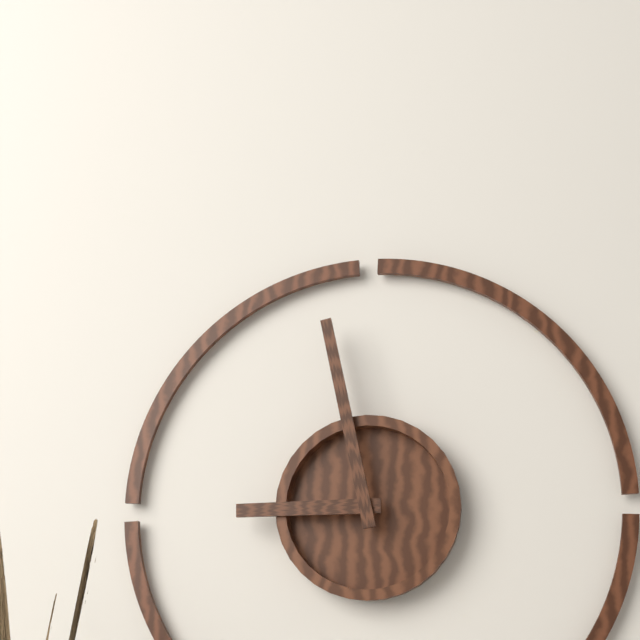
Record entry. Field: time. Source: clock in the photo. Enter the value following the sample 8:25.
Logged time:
8:58
